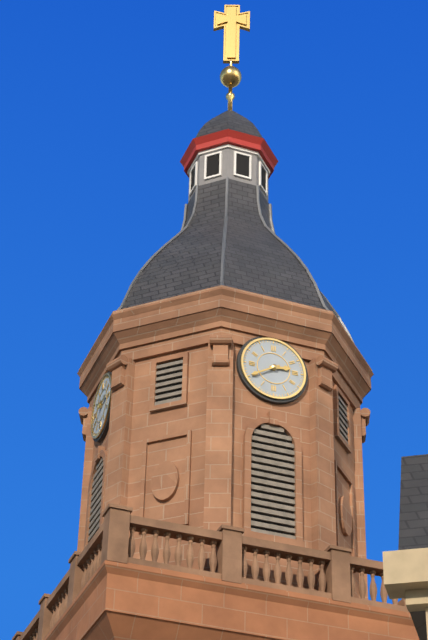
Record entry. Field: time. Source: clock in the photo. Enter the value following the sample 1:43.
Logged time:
2:40
